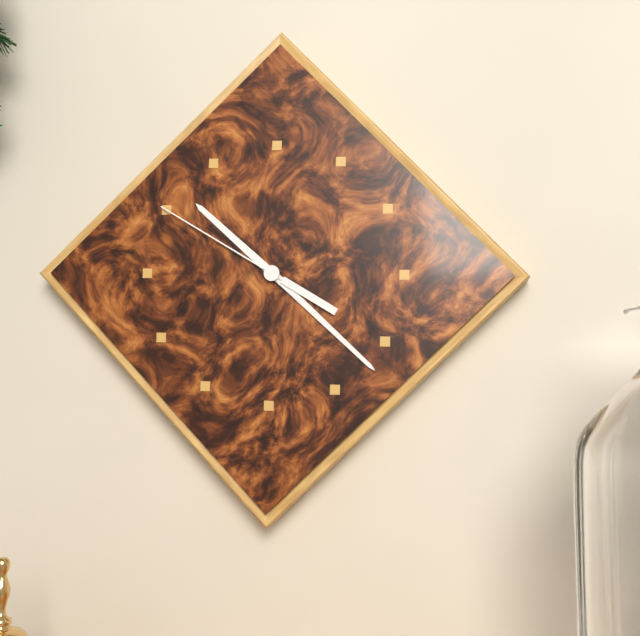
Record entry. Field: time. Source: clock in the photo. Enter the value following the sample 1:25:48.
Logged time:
10:22:50
